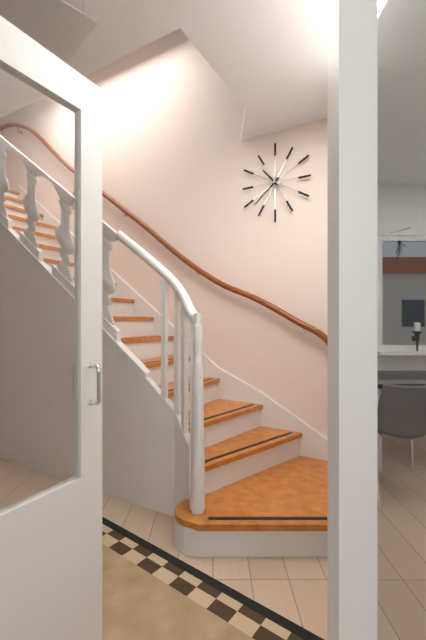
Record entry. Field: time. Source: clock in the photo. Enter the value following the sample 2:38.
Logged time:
10:38
